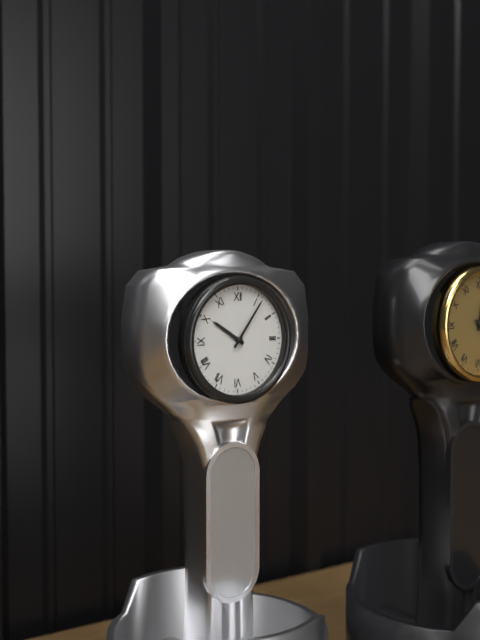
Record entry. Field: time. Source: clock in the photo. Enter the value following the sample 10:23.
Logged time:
10:06
